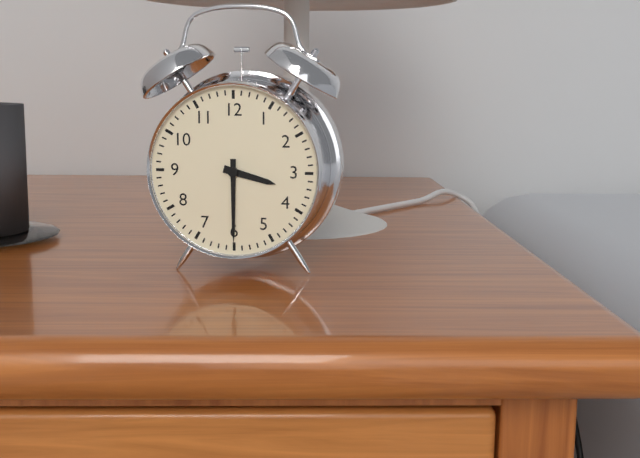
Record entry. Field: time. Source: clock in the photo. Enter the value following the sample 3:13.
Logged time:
3:30
